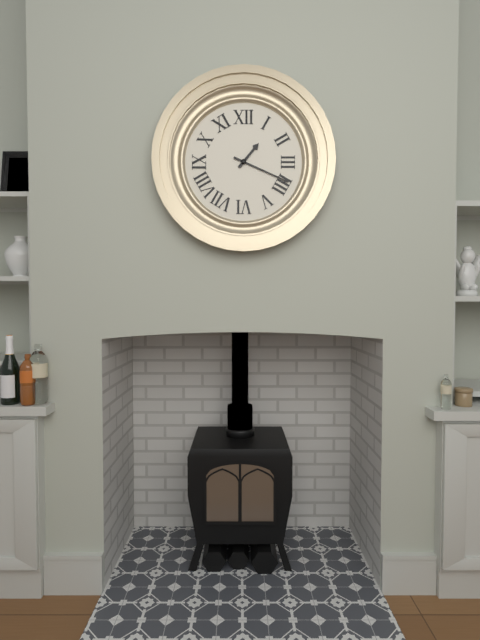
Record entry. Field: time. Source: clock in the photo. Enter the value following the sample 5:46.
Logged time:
1:19
